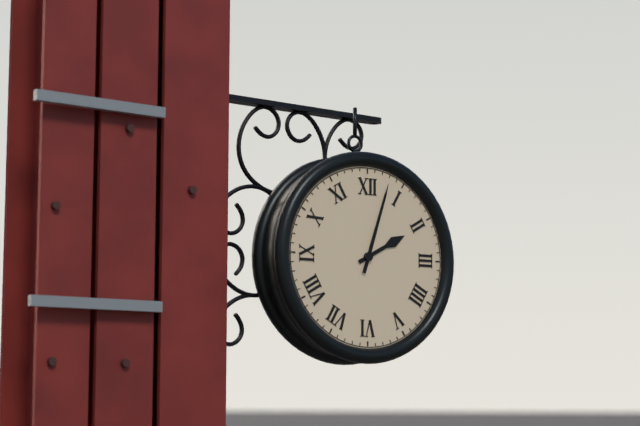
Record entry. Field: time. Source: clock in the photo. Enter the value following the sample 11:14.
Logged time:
2:03
